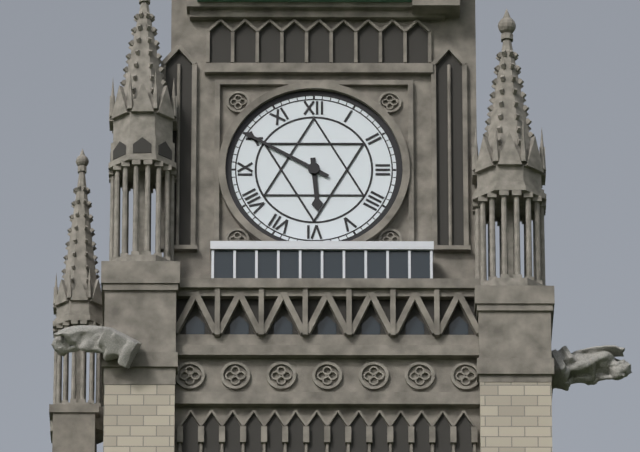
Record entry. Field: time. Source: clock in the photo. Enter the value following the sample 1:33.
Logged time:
5:50
